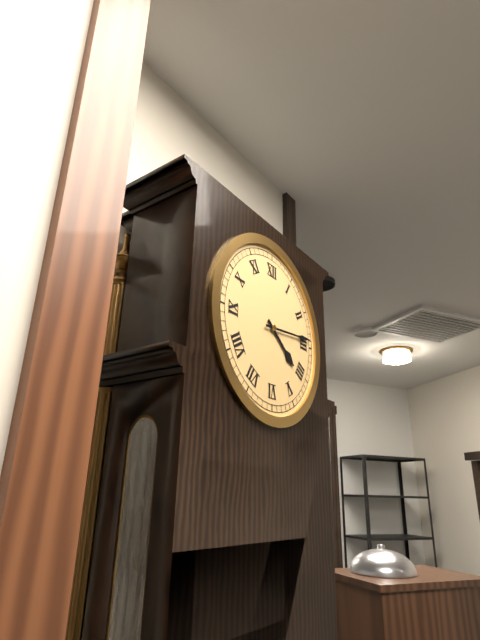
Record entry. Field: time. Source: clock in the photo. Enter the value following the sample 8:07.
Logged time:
4:14
